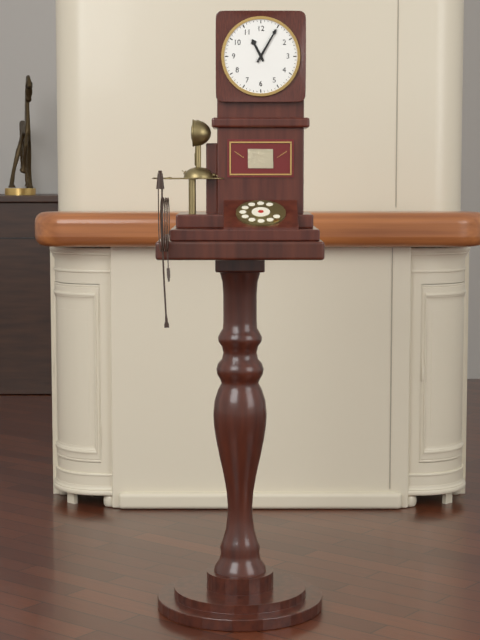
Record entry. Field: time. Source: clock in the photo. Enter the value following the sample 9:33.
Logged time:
11:05
